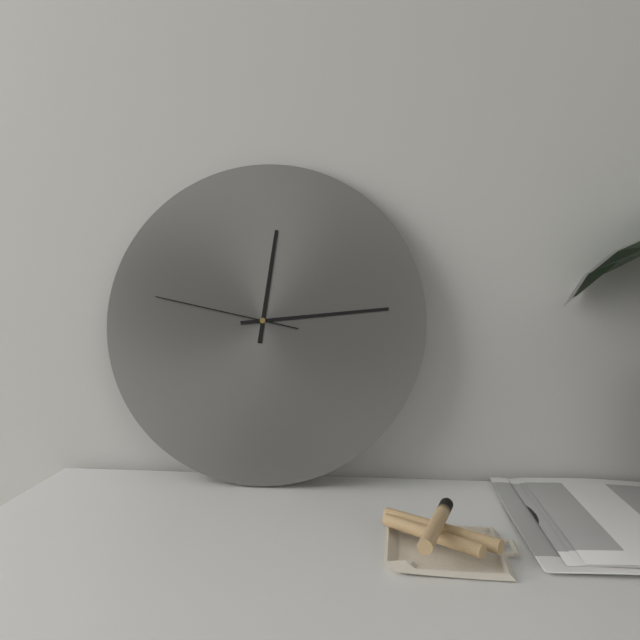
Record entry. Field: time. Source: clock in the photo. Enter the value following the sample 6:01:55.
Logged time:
12:14:47
